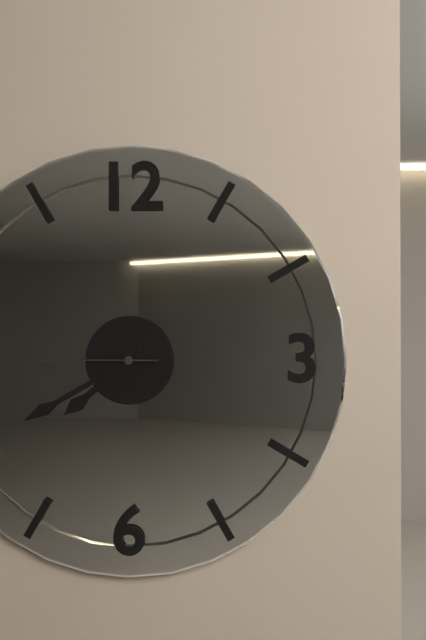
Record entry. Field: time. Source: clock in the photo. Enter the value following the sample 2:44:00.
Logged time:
7:40:45
